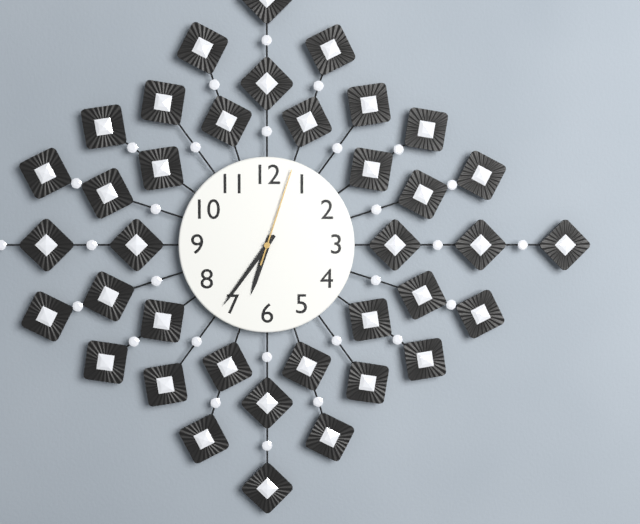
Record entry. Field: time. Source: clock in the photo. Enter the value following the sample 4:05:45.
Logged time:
6:36:03
